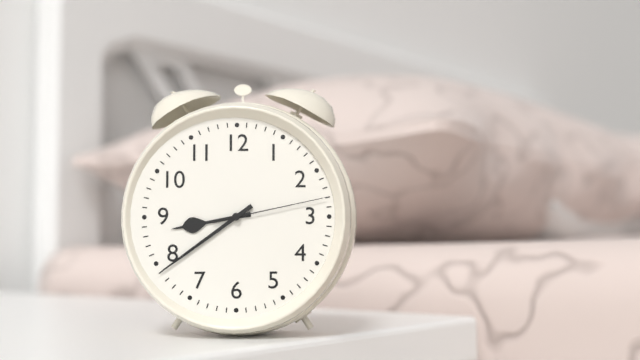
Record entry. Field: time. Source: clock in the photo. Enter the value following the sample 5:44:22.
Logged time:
8:39:13
